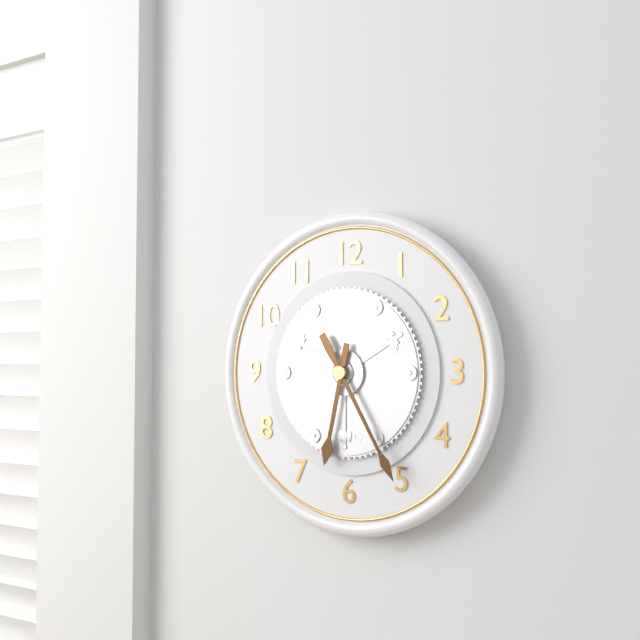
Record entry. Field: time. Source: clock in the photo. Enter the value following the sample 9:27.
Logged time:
6:25
